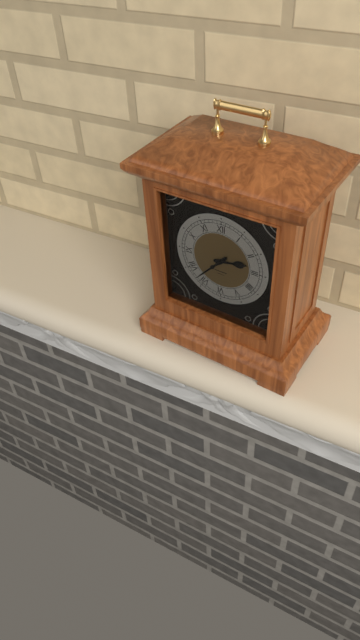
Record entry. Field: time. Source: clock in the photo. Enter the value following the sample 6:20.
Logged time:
2:37
